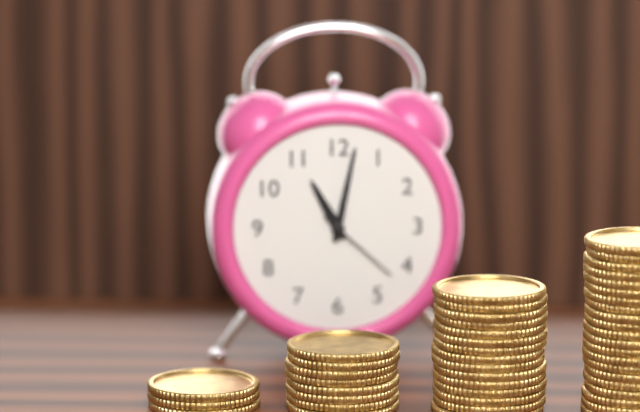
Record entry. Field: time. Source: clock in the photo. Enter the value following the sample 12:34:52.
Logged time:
11:02:22
